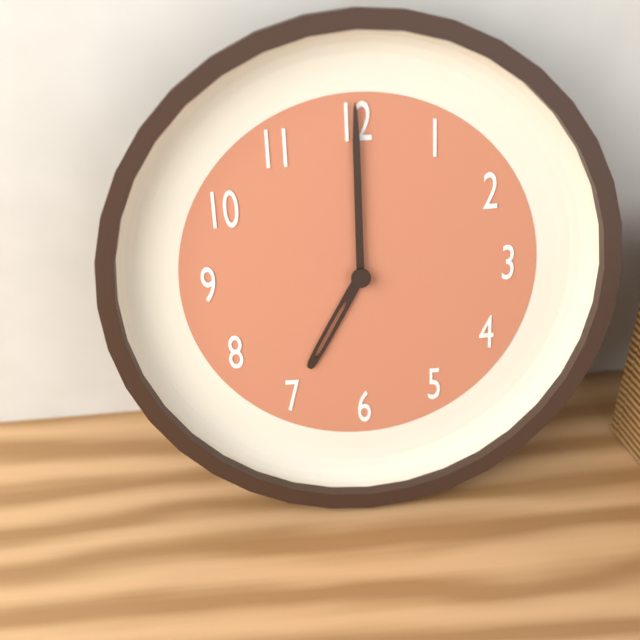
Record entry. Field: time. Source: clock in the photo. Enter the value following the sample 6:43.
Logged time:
7:00
